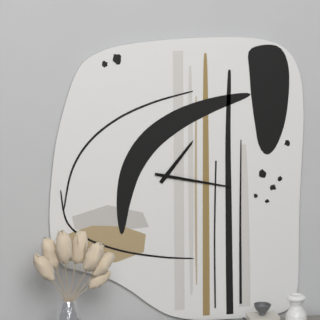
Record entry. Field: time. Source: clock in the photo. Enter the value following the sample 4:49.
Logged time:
1:17
